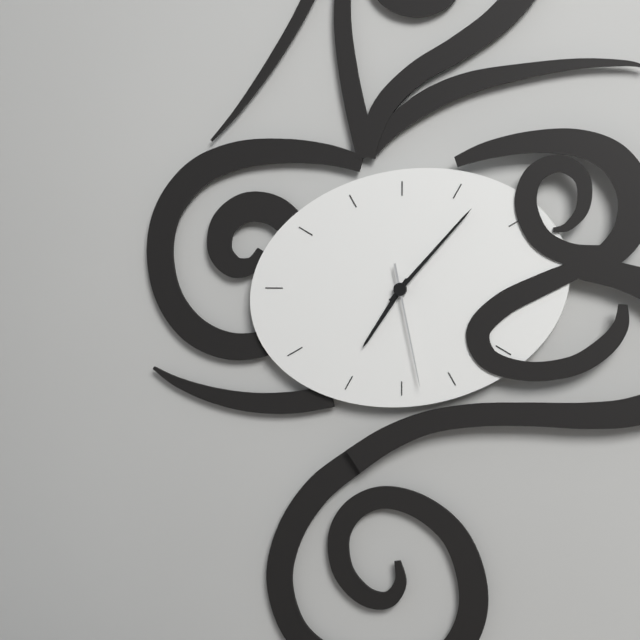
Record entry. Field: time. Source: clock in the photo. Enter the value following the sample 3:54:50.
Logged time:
7:07:28
